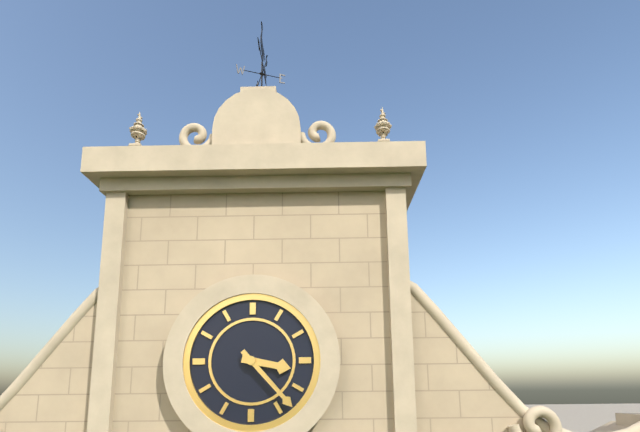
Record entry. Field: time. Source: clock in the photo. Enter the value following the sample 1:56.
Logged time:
3:23
